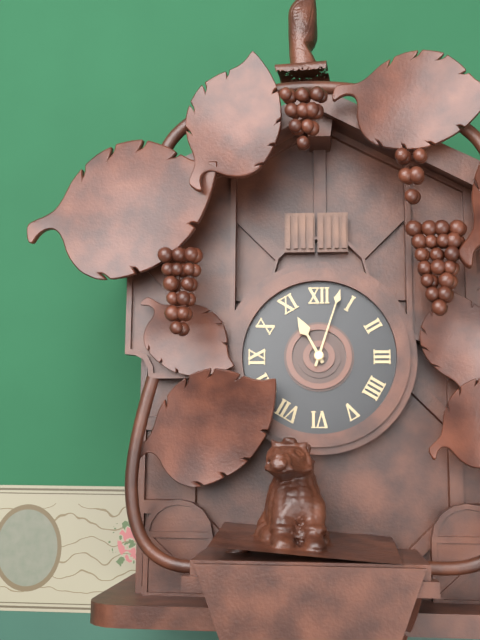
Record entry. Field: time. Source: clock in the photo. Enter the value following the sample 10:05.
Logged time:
11:03
